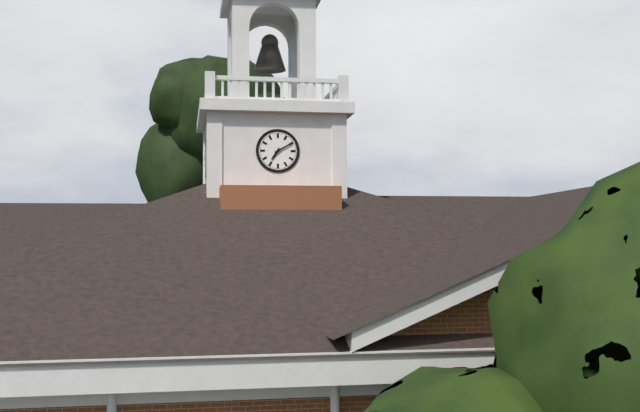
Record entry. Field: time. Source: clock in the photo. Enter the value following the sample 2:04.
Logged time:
7:10
